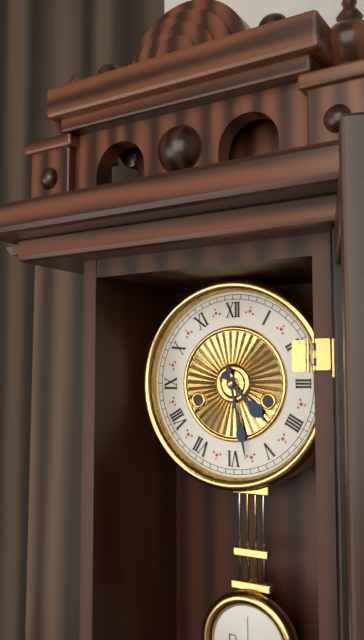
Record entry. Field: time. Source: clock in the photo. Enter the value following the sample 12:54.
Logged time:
4:28
